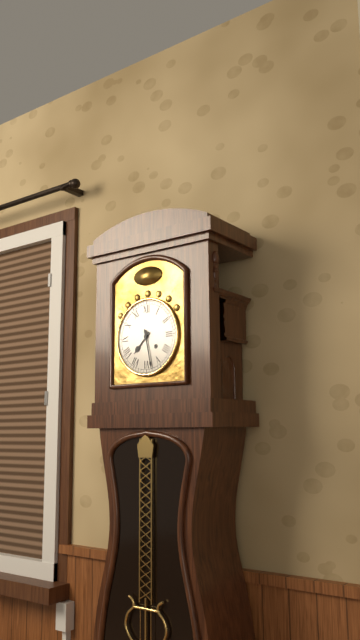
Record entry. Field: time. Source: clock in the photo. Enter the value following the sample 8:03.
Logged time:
7:28
